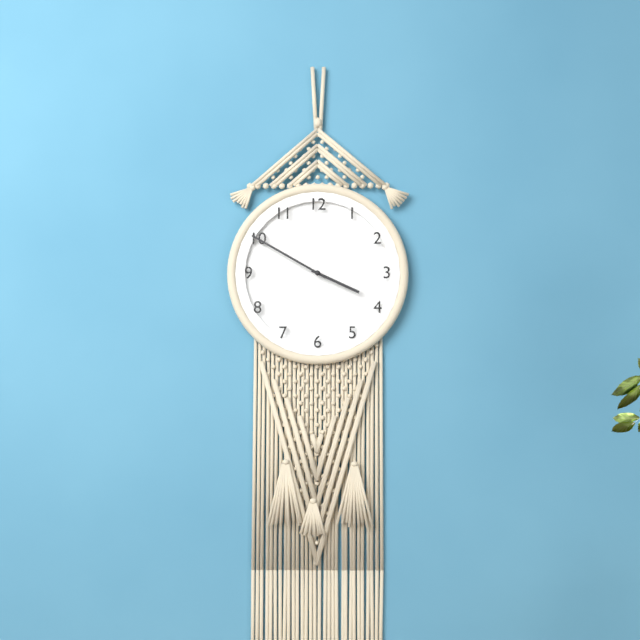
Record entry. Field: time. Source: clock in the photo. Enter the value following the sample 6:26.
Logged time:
3:50
